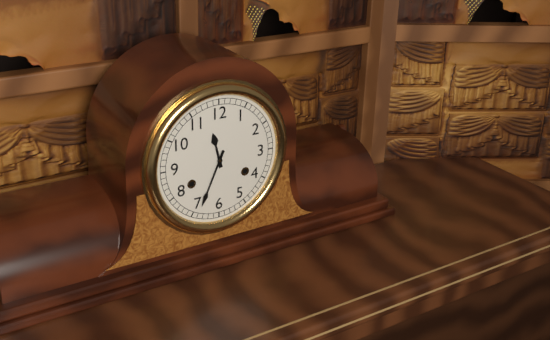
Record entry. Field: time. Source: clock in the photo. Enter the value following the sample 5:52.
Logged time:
11:34
